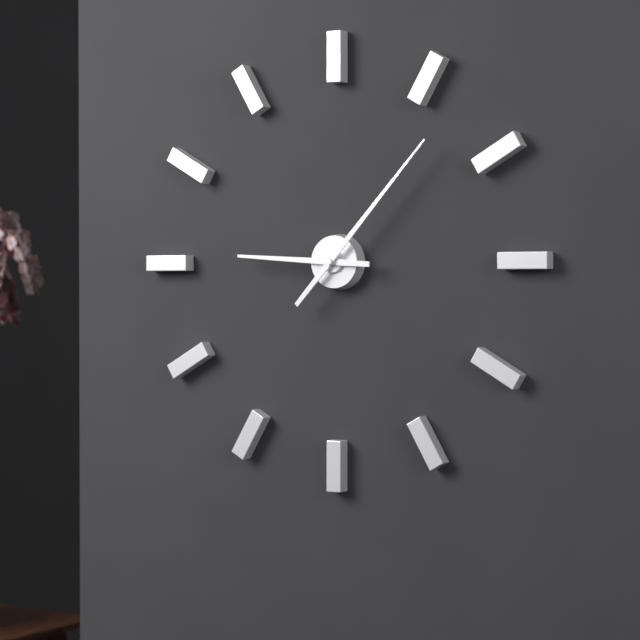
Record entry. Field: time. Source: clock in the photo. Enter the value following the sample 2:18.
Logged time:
9:07
